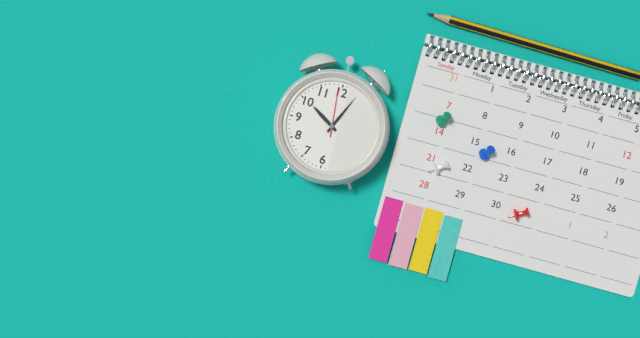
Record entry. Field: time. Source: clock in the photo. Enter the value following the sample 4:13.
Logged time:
10:04
